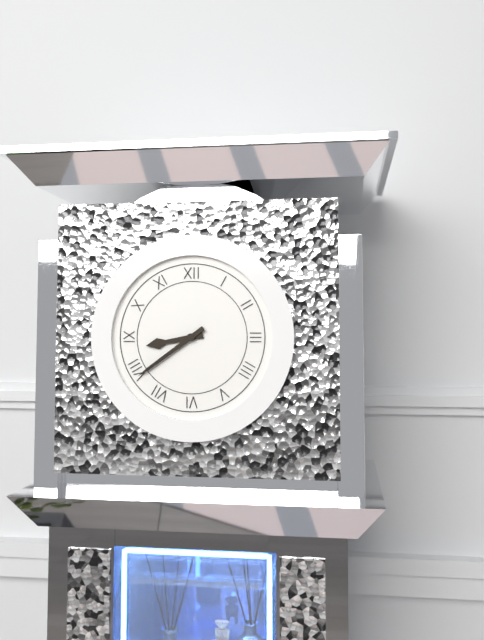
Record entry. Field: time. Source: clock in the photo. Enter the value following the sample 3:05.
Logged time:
8:39
